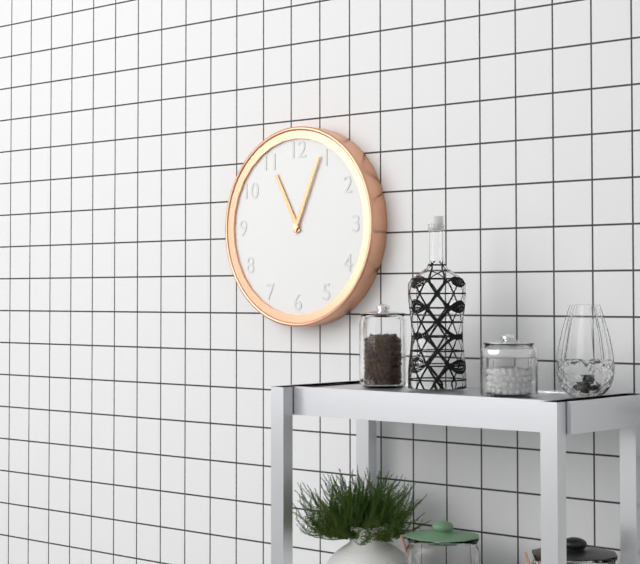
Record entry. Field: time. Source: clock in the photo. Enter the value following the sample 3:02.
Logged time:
11:04
